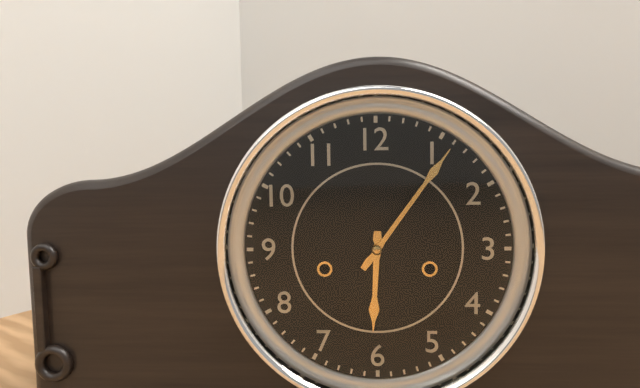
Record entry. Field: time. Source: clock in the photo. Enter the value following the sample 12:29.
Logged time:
6:06
